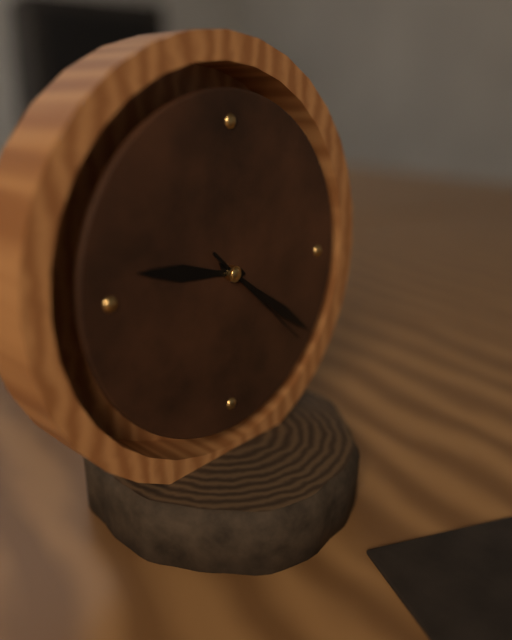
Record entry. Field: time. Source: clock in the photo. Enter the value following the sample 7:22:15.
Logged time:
9:21:22
